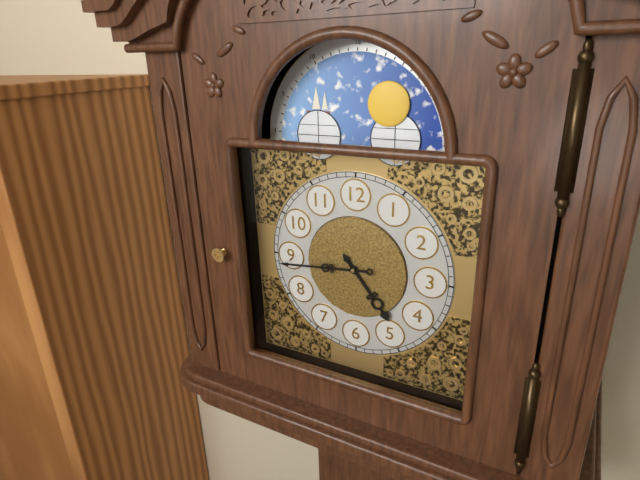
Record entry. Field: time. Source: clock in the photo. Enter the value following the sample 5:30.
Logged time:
4:44
